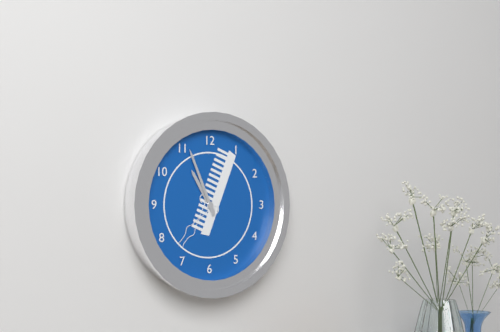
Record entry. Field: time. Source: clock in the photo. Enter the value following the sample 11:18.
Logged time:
10:56
